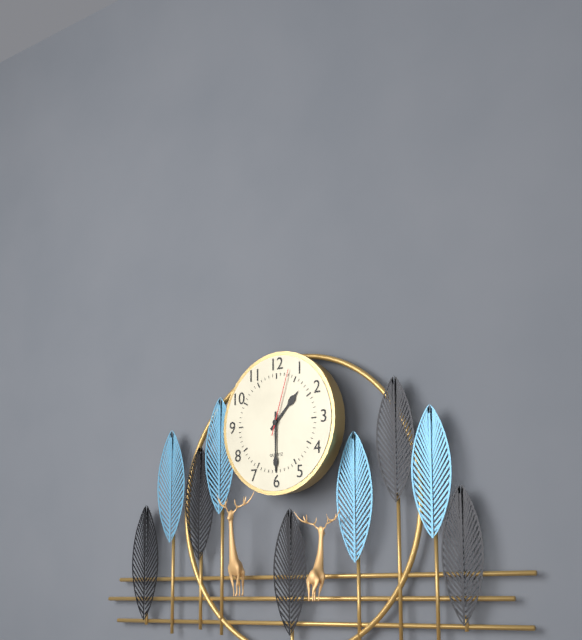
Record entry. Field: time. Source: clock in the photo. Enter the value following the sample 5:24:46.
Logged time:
1:30:03
